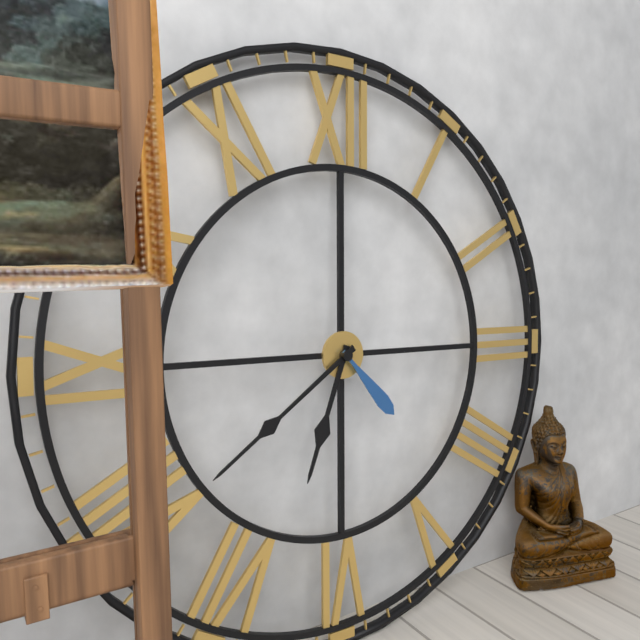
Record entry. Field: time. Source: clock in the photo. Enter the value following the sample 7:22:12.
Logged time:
6:39:23
